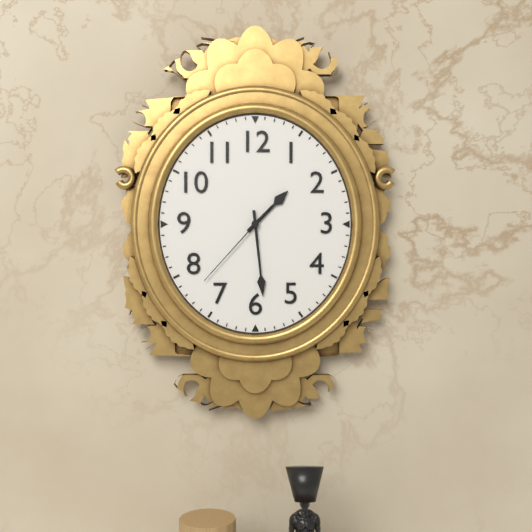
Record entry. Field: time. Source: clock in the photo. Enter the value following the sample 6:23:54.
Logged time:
1:29:37
